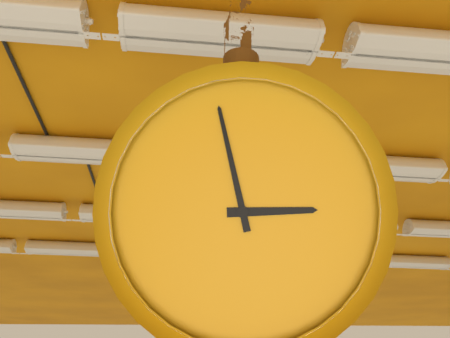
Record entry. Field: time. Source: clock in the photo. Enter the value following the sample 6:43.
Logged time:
2:58
